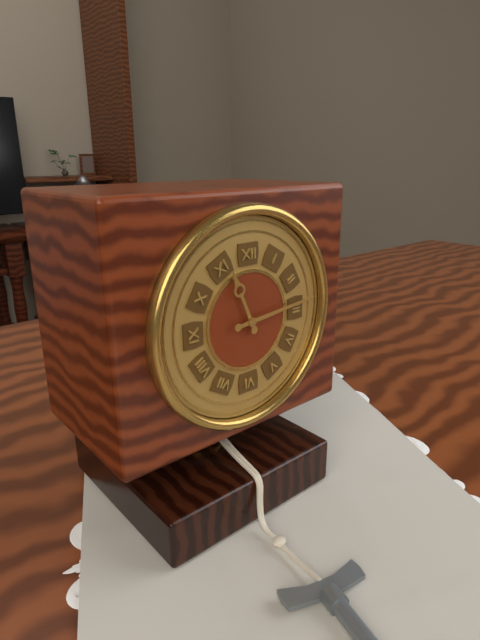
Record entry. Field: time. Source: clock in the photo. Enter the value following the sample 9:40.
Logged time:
11:14
